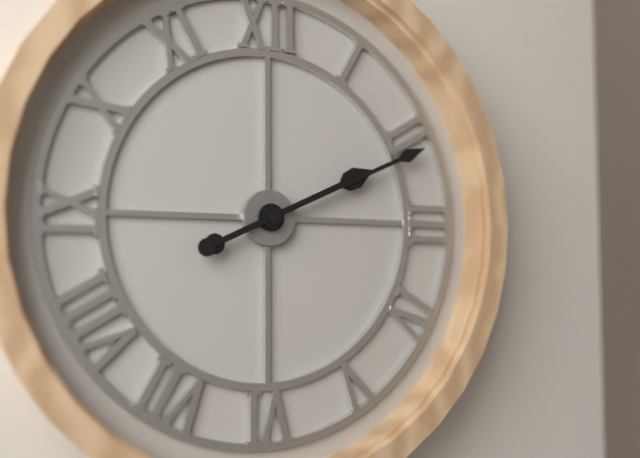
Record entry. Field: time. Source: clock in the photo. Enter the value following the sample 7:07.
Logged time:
2:11
